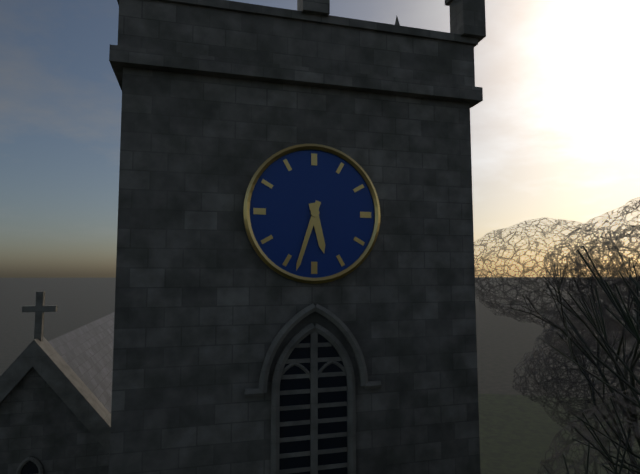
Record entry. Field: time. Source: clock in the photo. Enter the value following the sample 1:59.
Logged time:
5:33
